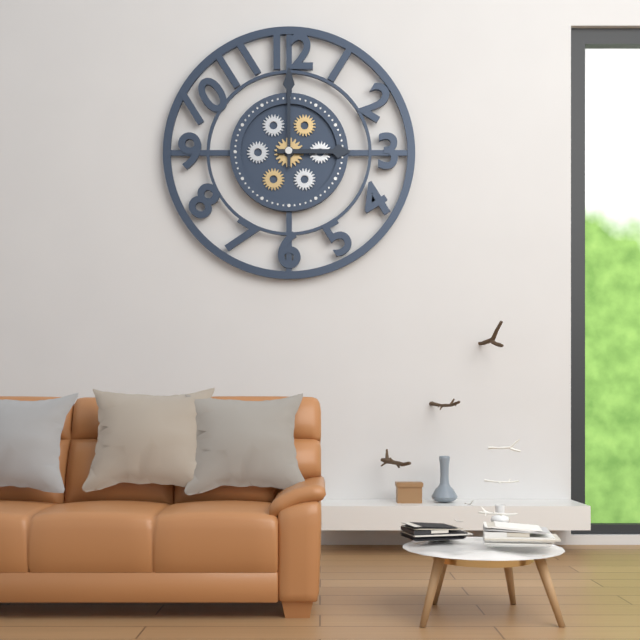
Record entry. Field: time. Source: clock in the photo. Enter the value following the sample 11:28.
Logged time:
3:00
